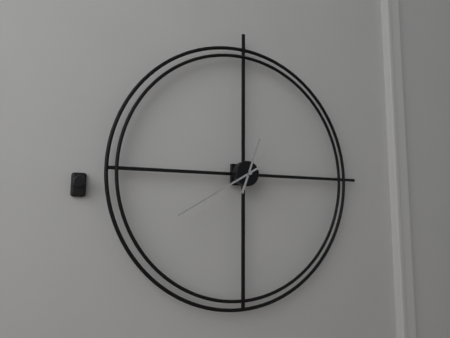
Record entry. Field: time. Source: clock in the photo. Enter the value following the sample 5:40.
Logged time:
12:40
